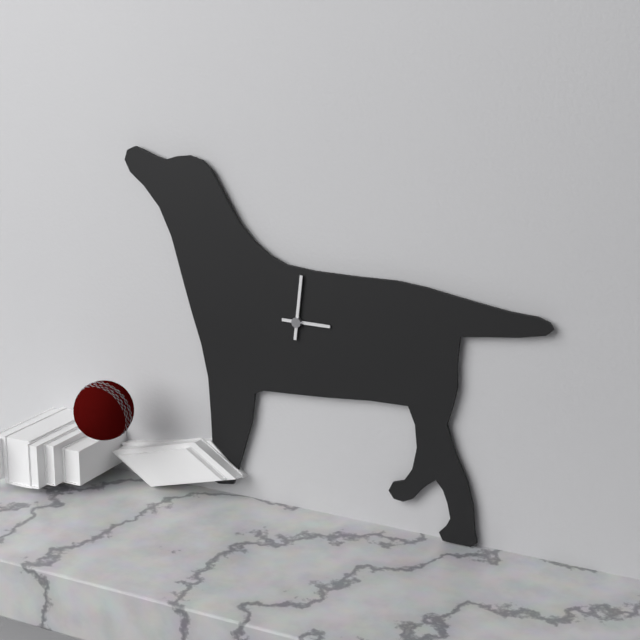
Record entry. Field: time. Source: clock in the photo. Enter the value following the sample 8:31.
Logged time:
3:01
